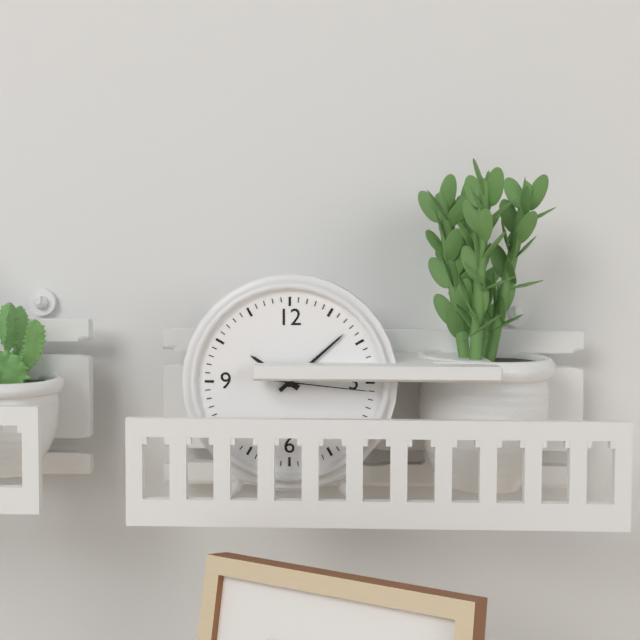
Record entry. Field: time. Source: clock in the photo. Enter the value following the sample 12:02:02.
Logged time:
10:08:16
